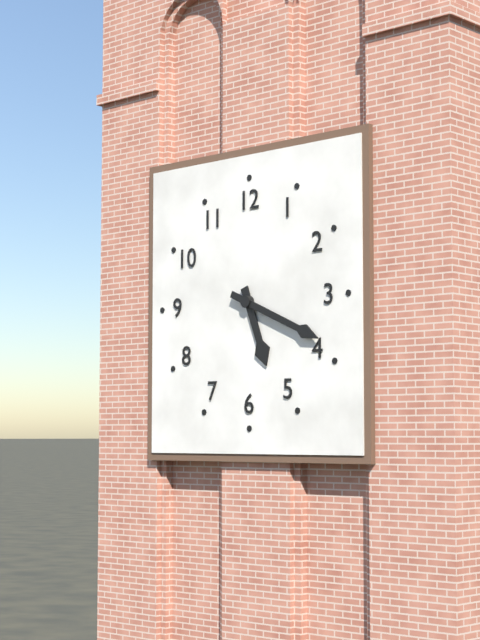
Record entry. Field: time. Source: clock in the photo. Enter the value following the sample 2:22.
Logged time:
5:19
